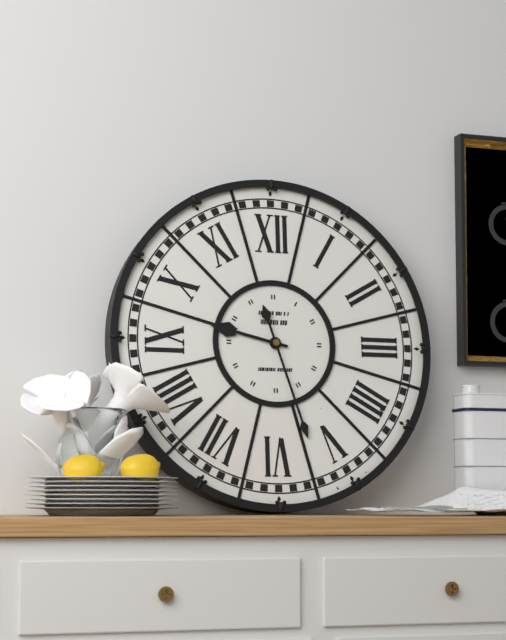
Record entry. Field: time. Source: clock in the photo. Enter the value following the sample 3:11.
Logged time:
9:27
